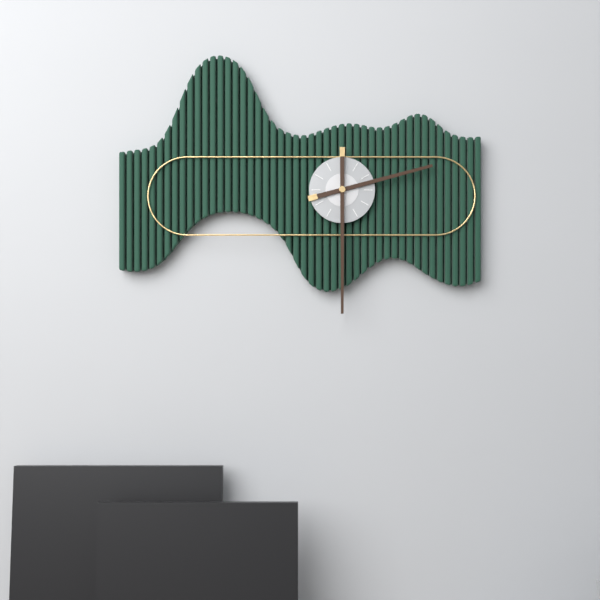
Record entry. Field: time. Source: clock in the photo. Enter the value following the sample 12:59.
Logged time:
2:30
